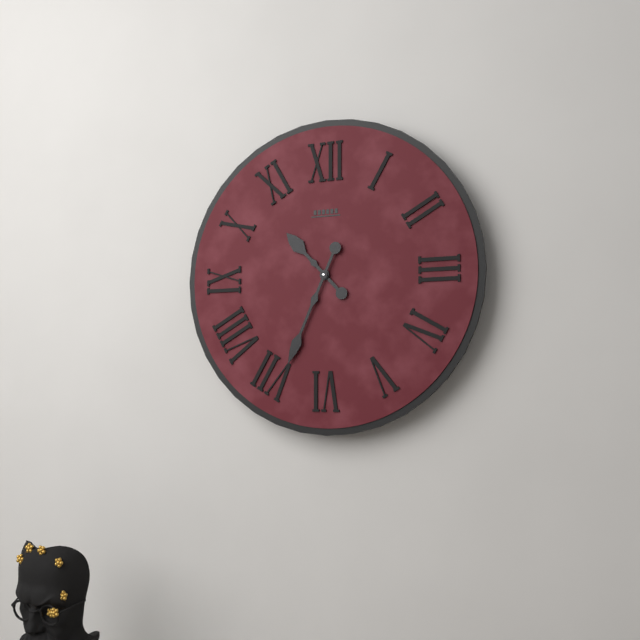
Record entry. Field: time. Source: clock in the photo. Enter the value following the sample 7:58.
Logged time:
10:34
